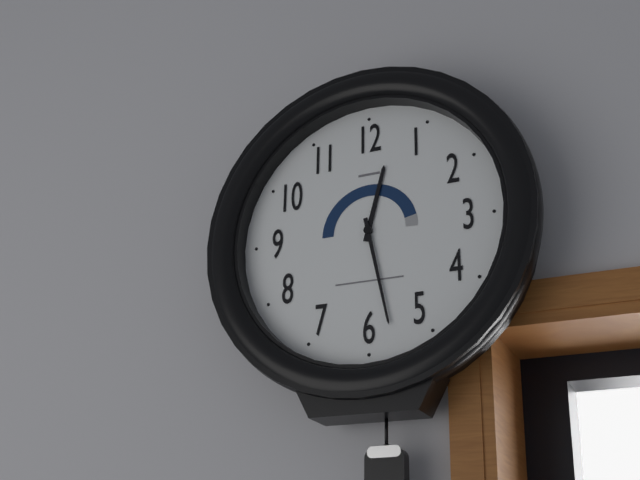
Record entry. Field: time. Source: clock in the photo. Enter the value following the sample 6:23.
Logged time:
12:28
